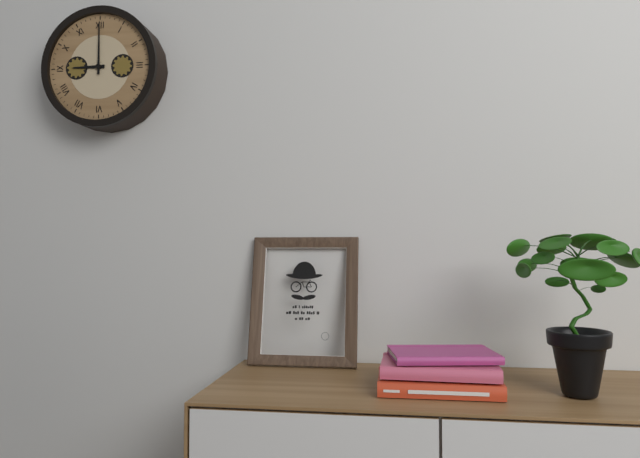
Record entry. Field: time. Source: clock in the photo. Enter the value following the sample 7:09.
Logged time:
9:00
